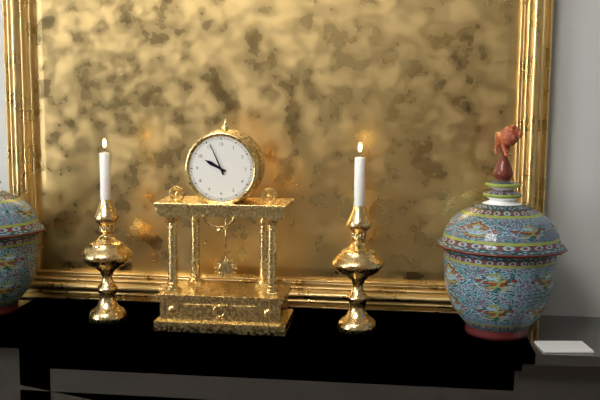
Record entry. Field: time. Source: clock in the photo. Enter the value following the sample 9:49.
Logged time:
9:56
